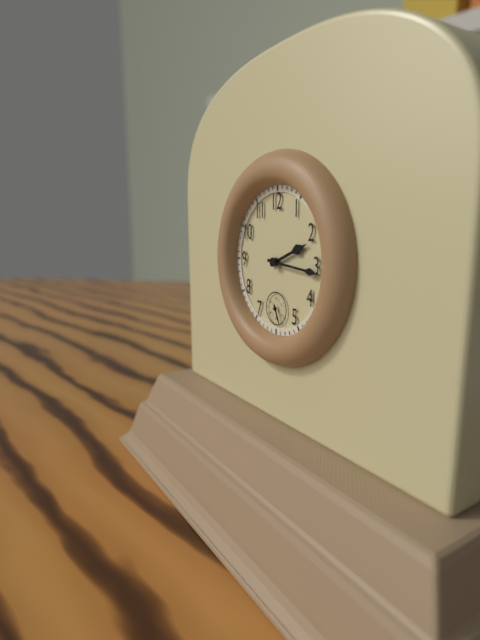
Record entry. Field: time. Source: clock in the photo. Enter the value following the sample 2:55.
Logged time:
2:16
